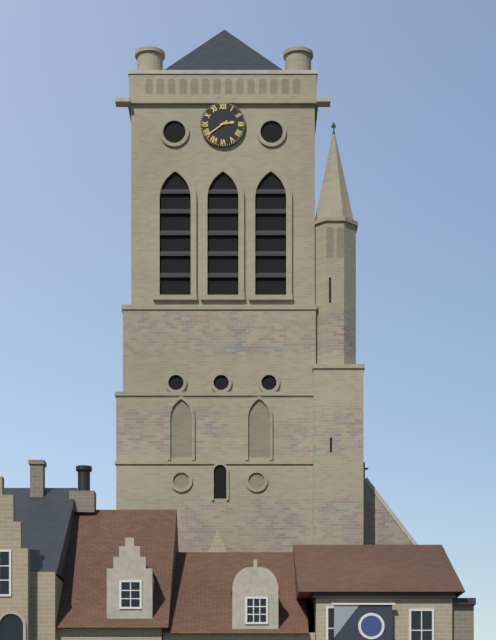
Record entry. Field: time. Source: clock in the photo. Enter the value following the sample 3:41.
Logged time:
2:39
